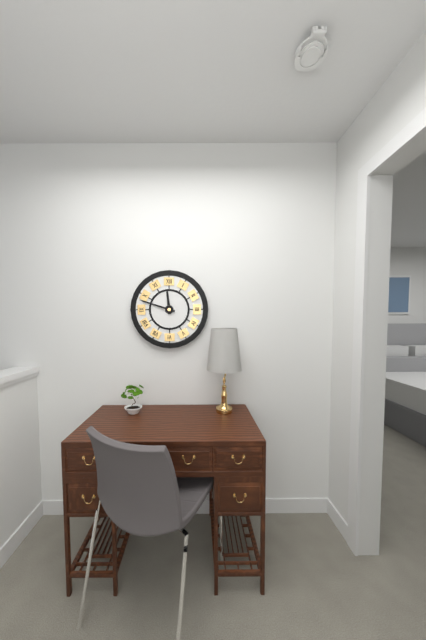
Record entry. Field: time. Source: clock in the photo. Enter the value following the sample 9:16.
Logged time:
11:48
